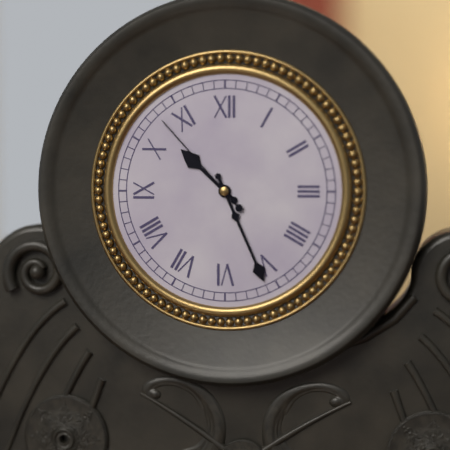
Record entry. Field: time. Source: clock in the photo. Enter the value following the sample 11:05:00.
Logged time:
10:26:53
